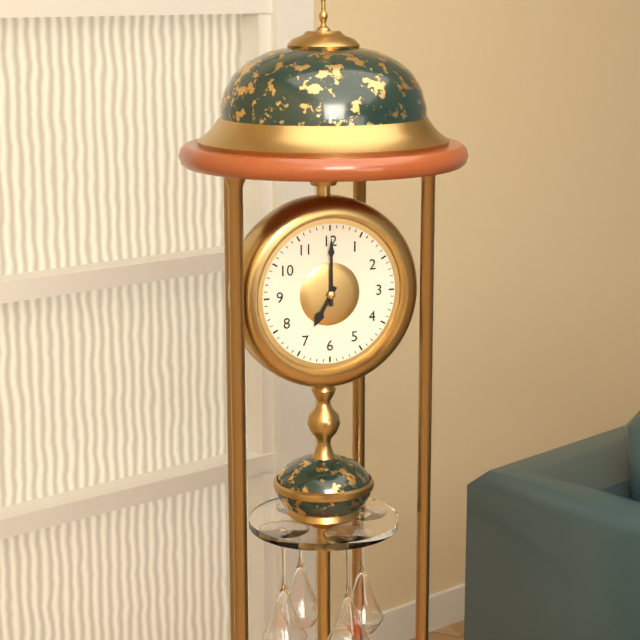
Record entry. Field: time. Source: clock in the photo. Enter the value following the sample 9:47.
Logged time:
7:00
